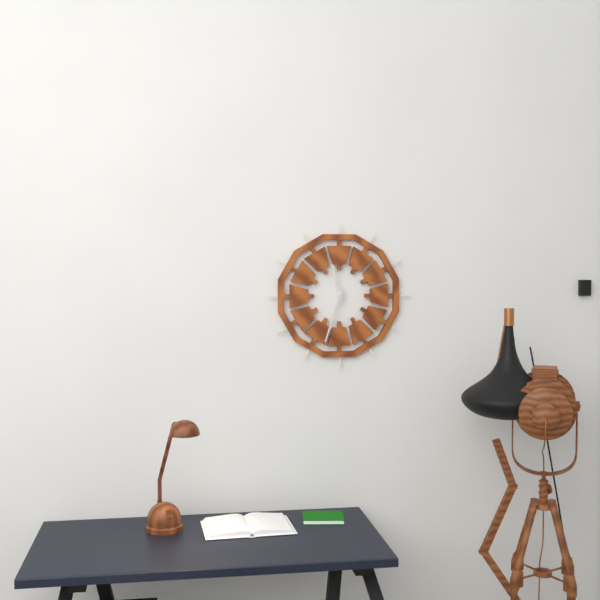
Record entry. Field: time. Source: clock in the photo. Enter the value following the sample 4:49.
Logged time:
11:33
